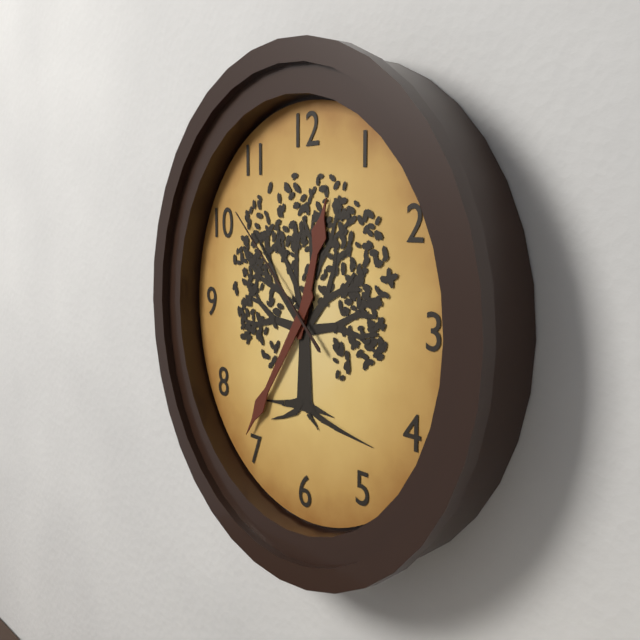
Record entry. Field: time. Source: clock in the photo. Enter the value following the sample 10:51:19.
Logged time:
12:36:52
